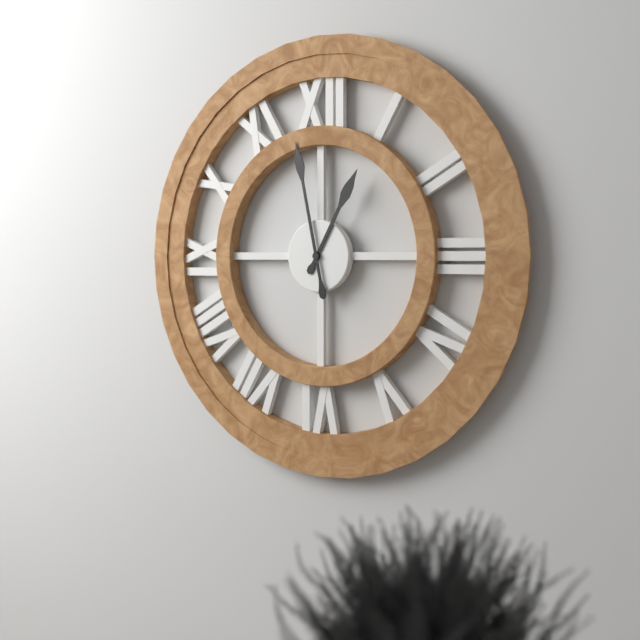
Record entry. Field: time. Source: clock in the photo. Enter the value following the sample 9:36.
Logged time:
12:58
